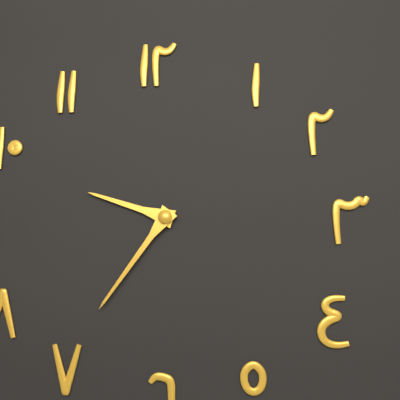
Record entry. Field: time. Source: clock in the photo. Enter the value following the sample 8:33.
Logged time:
9:36
